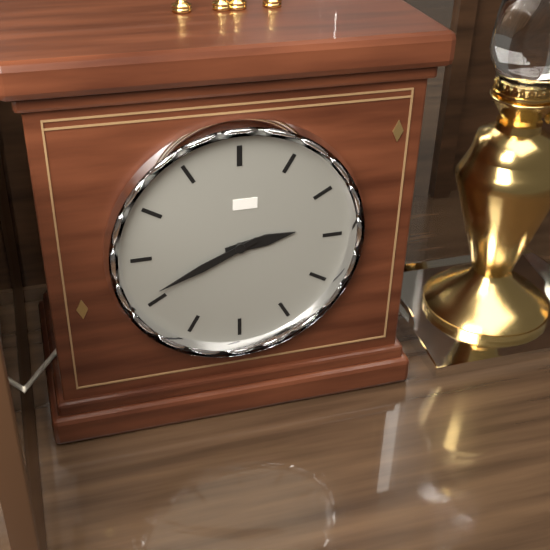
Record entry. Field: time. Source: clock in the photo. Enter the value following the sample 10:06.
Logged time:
2:41
